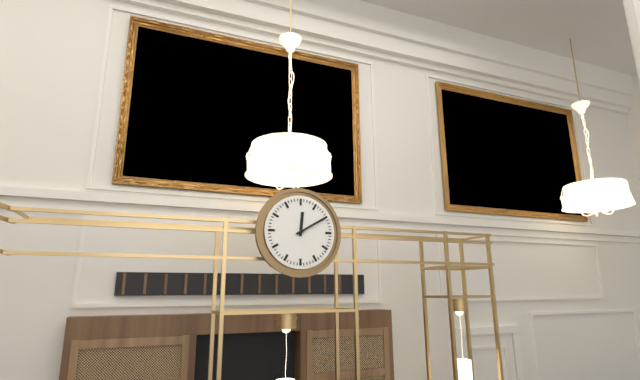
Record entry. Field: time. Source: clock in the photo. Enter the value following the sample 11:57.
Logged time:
12:10
